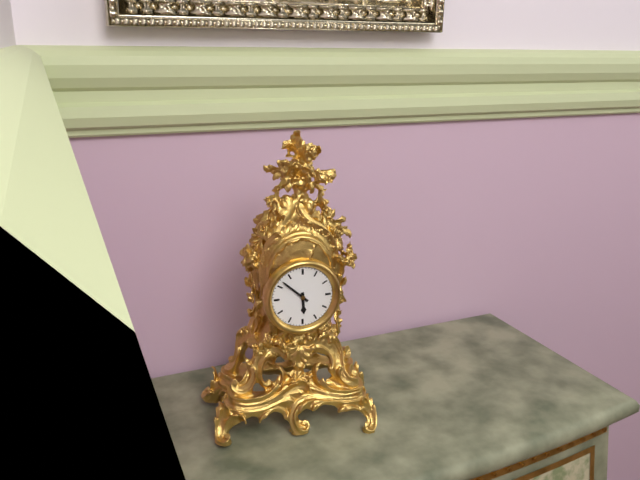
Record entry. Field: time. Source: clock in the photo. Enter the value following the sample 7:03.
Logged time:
5:52
